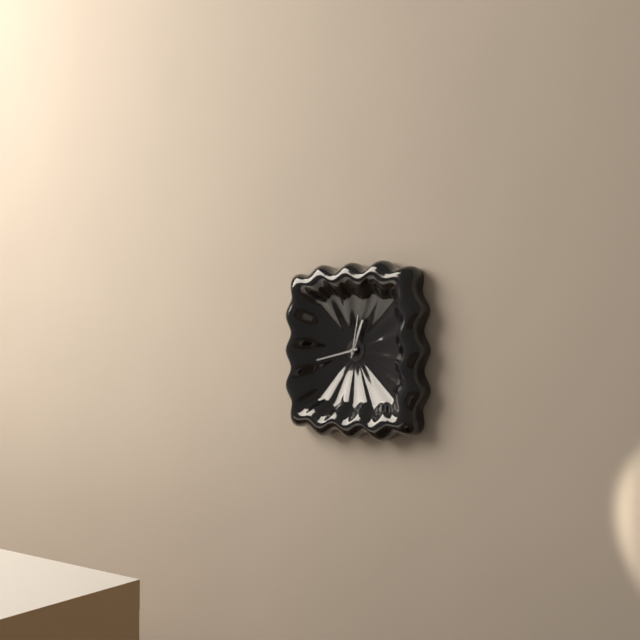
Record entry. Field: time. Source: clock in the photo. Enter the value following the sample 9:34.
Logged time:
12:43
